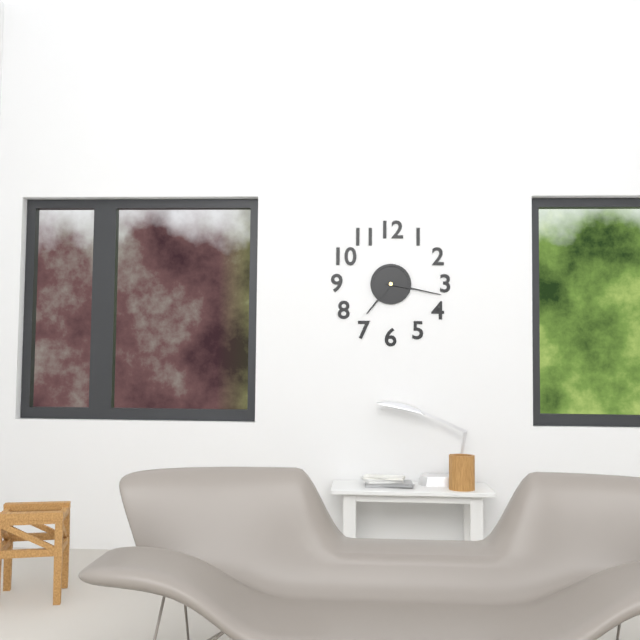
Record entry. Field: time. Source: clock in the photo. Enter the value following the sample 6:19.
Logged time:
7:17
